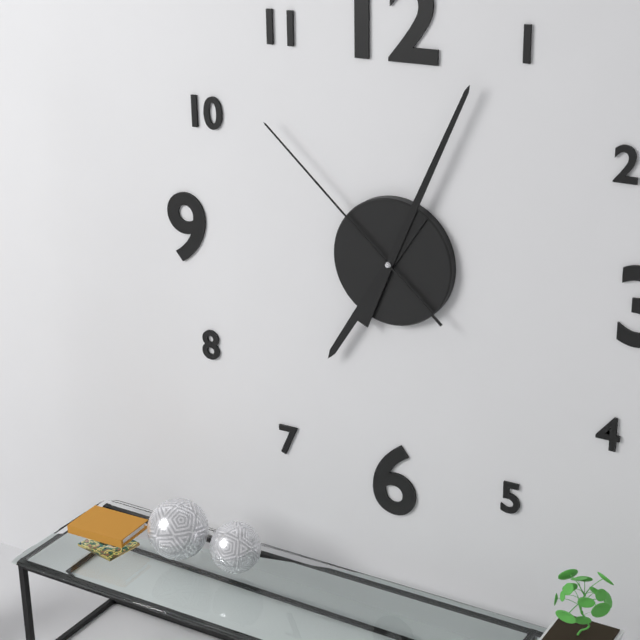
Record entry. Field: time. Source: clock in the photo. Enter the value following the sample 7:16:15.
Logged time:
7:04:52
